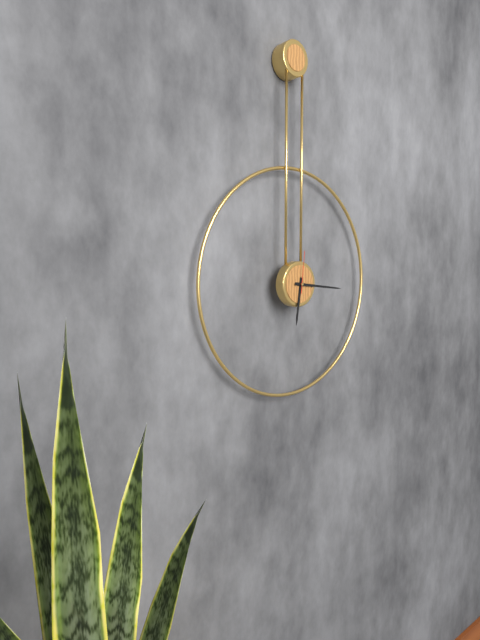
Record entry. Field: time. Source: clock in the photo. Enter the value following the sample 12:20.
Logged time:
6:16
